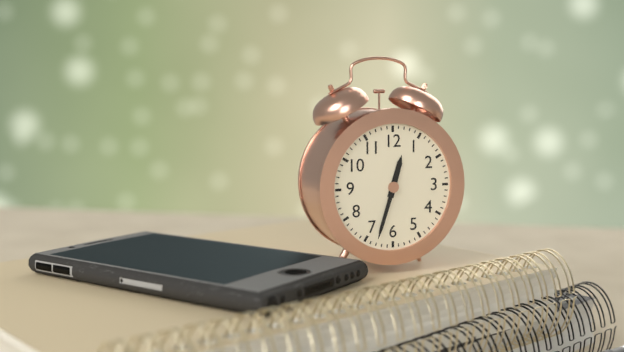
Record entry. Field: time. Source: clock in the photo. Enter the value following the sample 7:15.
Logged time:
12:33
